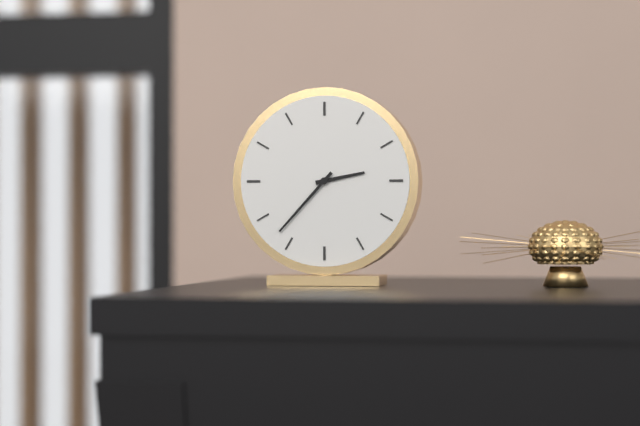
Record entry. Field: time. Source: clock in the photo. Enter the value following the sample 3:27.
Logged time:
2:37
